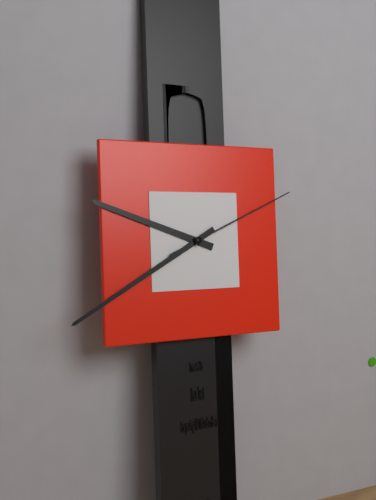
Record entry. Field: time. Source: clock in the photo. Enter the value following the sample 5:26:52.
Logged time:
9:40:11
